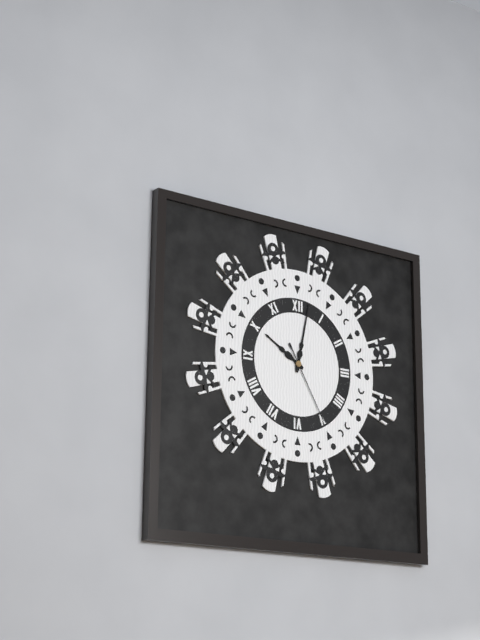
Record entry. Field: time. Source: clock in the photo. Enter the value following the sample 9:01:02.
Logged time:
10:02:25
